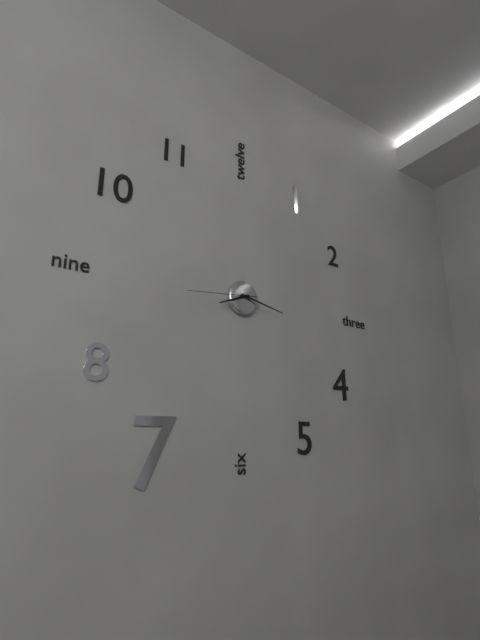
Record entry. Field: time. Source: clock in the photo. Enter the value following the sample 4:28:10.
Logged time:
8:17:44
